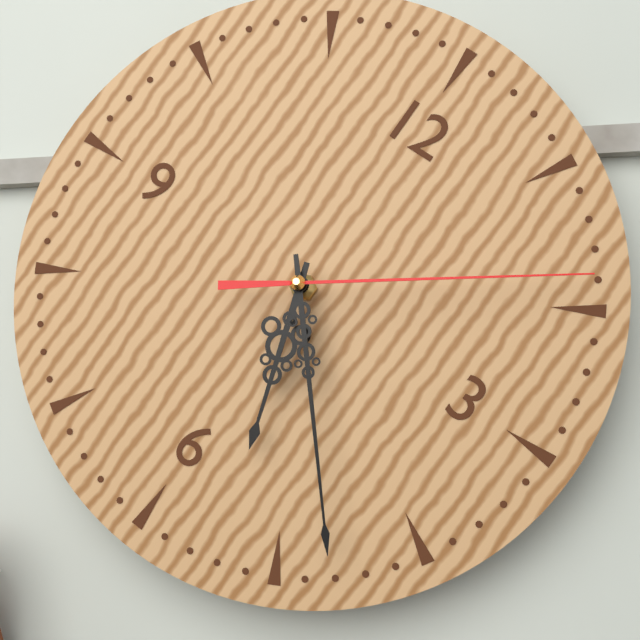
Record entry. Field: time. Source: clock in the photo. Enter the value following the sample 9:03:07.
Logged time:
5:23:09
